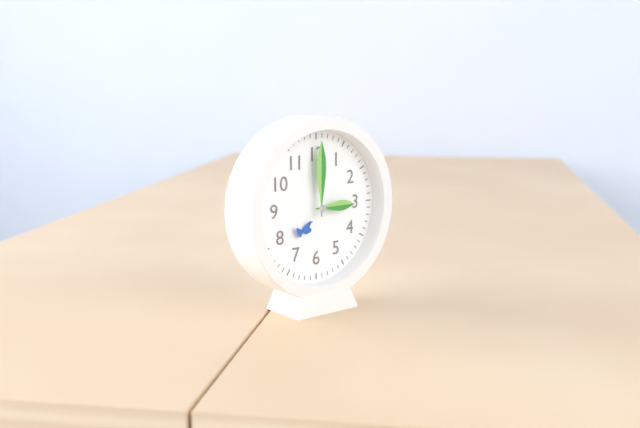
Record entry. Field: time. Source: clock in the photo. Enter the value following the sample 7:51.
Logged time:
3:00
